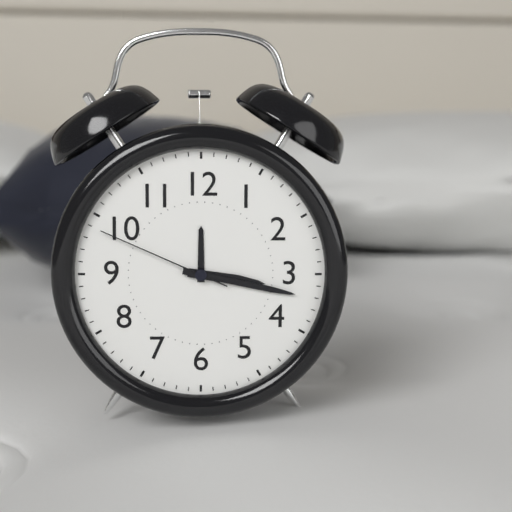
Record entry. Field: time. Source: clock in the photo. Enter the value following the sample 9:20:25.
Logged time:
3:17:49
